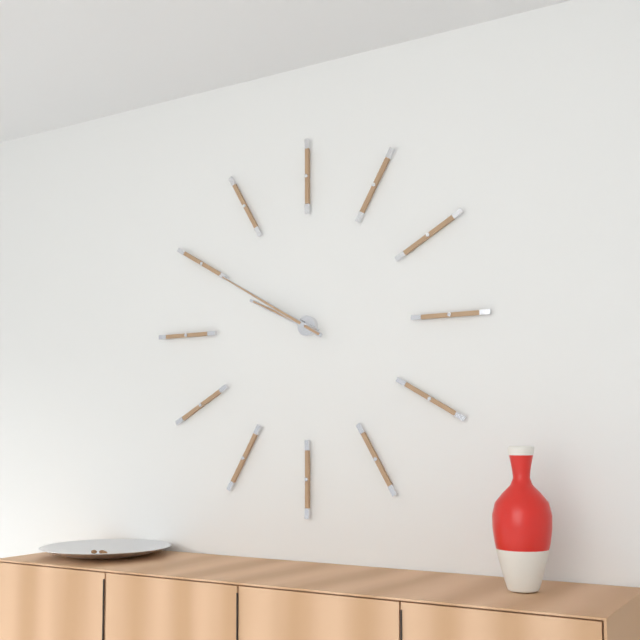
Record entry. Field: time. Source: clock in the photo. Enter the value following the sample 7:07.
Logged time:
9:50
